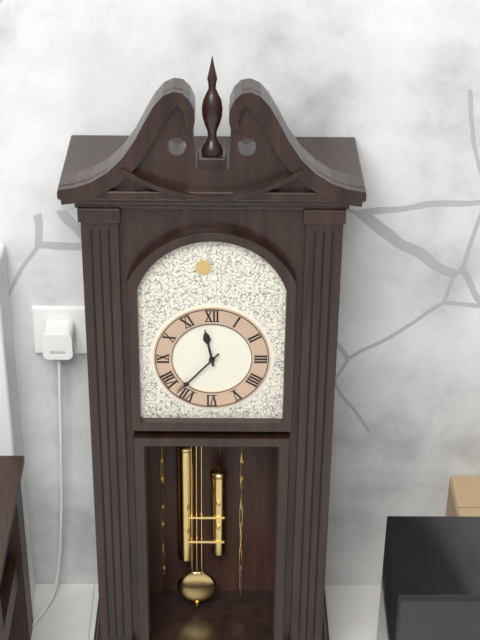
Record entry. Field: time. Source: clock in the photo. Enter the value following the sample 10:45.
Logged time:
11:37
